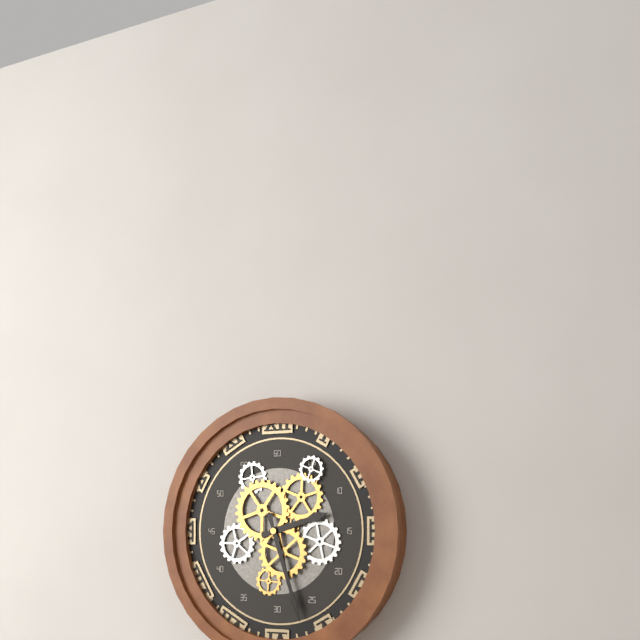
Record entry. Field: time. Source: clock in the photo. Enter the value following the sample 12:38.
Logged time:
2:27
